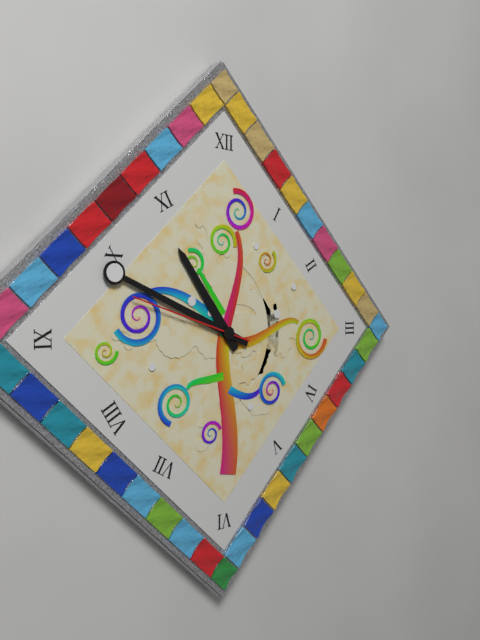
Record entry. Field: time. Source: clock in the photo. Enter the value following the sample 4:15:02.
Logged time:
10:49:48
